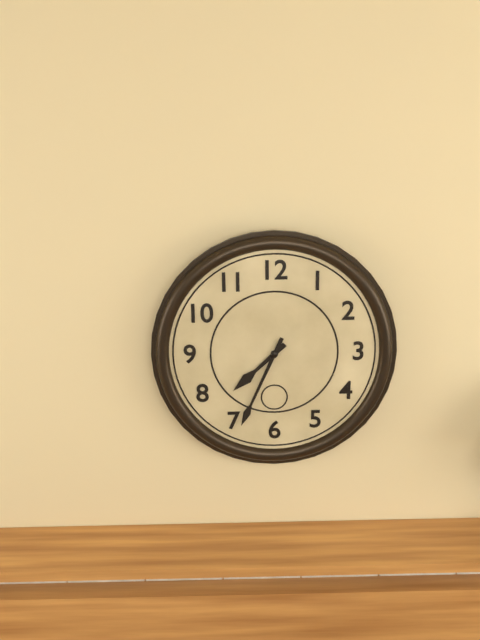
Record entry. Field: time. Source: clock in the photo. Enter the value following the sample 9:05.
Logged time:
7:34
